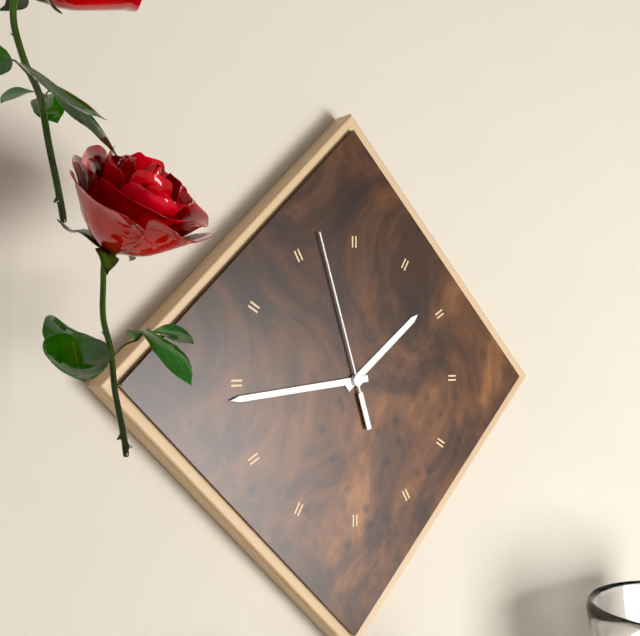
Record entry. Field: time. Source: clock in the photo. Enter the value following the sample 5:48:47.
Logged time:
1:44:57
